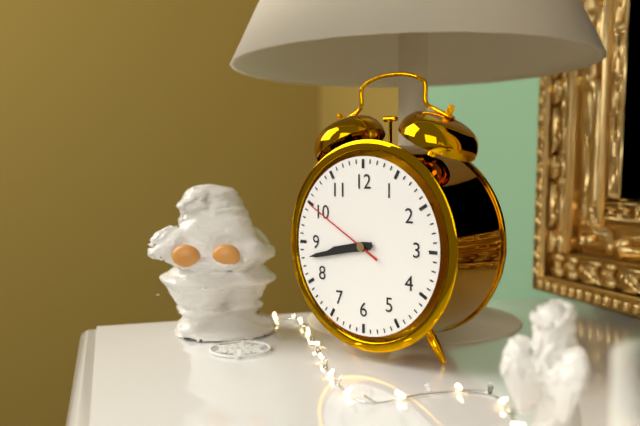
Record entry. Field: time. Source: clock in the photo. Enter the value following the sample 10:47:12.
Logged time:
8:43:50
